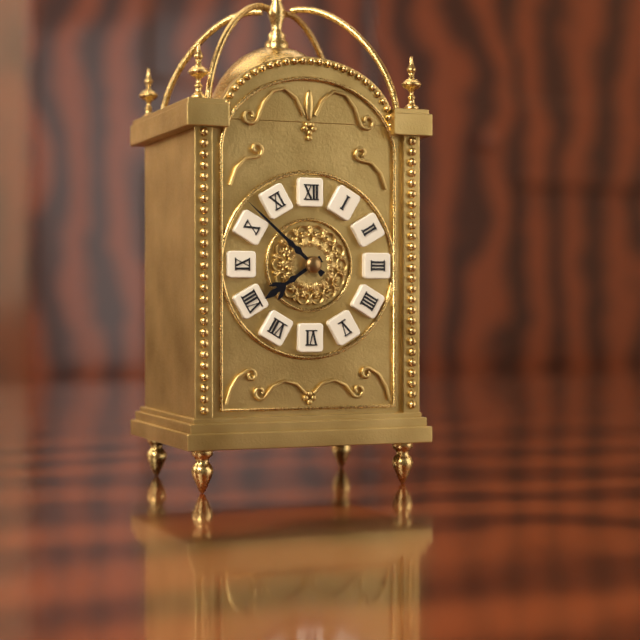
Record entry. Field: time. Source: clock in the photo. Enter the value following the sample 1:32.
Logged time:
7:52
